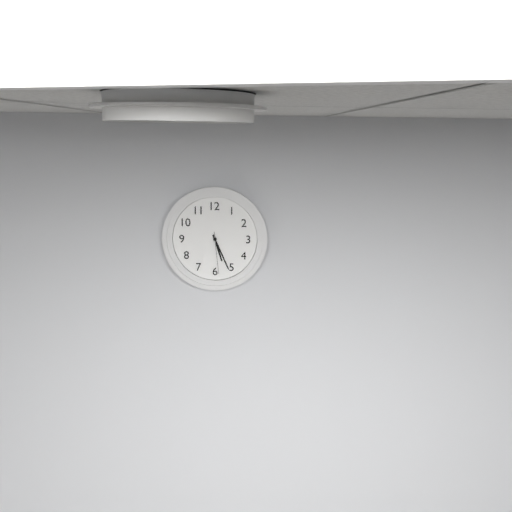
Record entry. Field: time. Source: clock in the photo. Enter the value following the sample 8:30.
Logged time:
5:26
